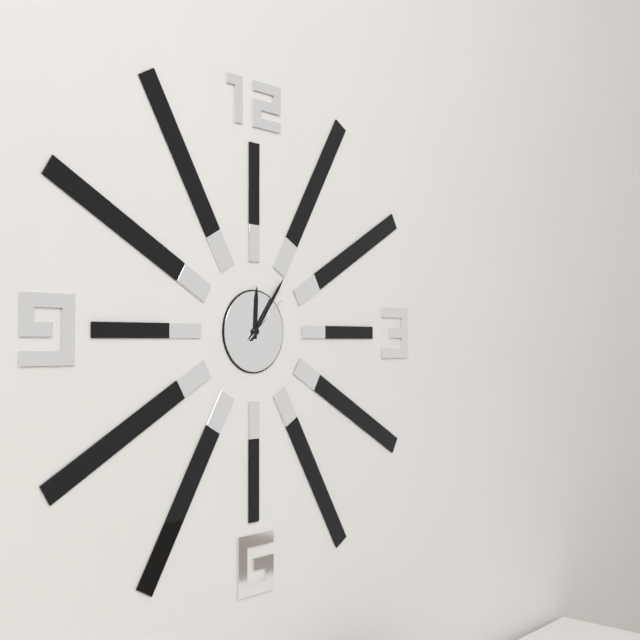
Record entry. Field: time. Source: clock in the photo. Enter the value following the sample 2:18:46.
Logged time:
12:06:08
